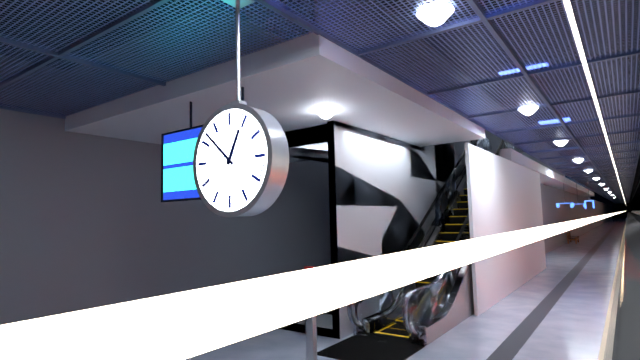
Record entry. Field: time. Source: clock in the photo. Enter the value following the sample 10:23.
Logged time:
12:52
